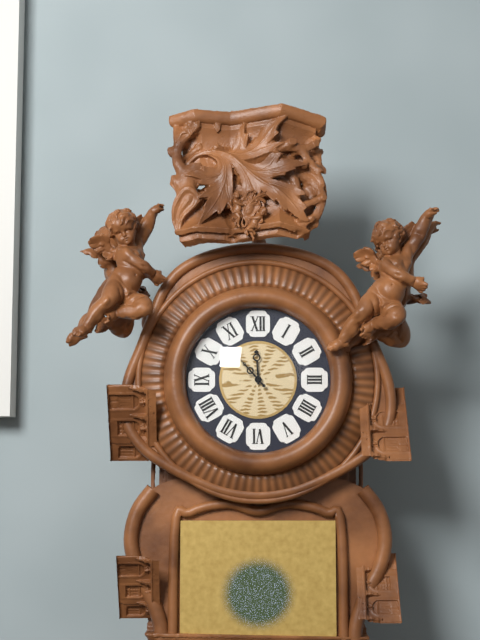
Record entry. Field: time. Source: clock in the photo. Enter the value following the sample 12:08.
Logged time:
11:53
